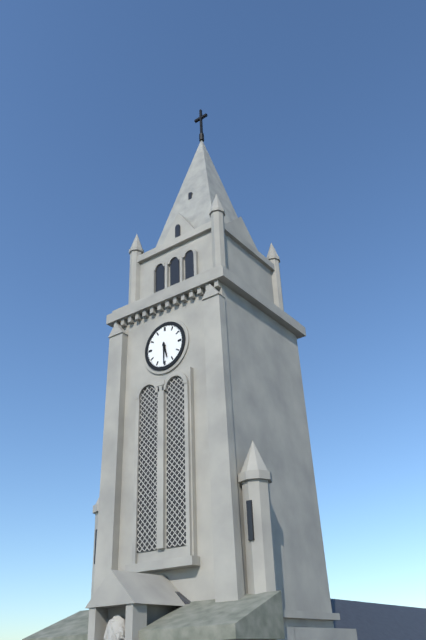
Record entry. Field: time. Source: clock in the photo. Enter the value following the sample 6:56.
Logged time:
5:30
